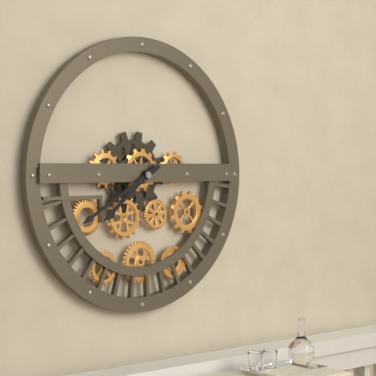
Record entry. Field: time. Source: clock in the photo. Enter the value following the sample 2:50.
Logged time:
7:40
